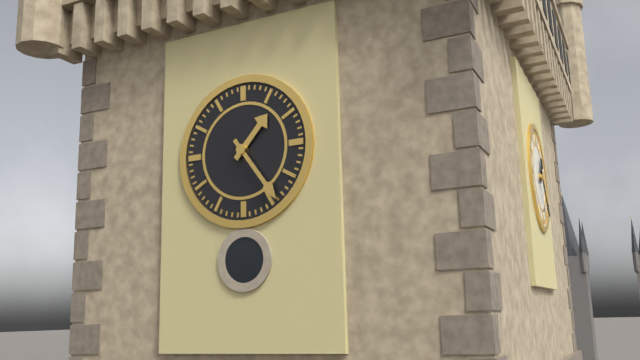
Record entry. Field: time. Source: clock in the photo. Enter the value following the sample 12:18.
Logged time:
1:24
